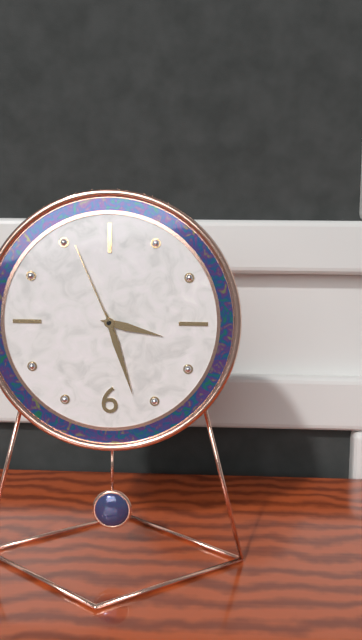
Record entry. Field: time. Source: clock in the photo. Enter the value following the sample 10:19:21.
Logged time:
3:27:56
